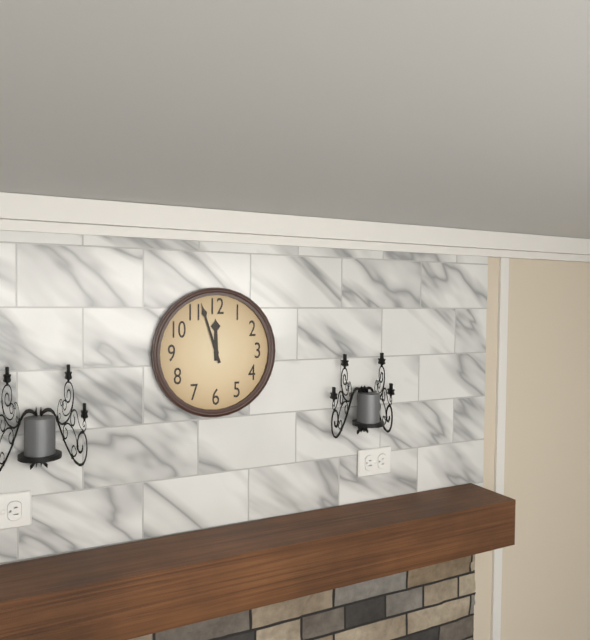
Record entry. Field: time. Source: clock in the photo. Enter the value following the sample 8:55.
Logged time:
11:57
